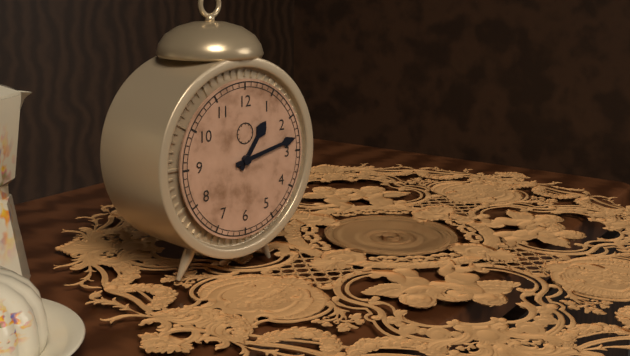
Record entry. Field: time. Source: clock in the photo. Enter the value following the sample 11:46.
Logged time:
1:13
